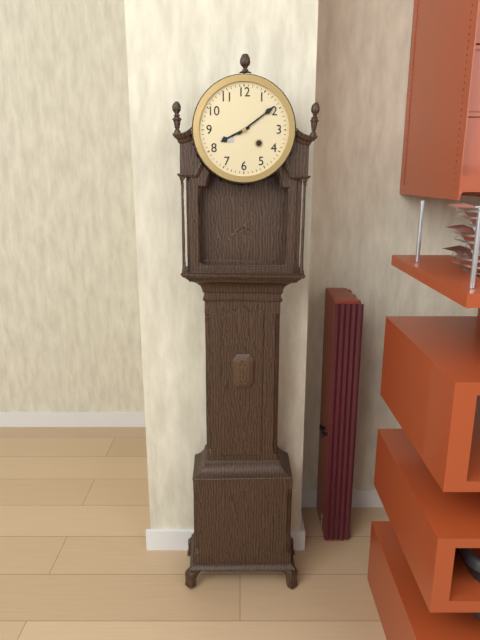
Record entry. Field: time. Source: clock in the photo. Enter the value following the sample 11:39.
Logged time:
8:09
